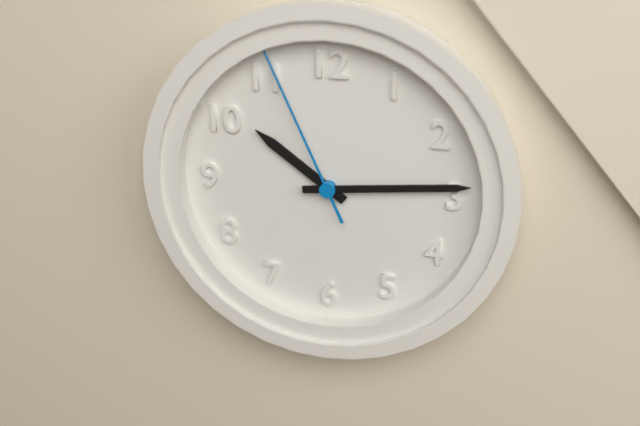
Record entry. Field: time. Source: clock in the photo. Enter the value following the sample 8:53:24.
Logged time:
10:14:56
